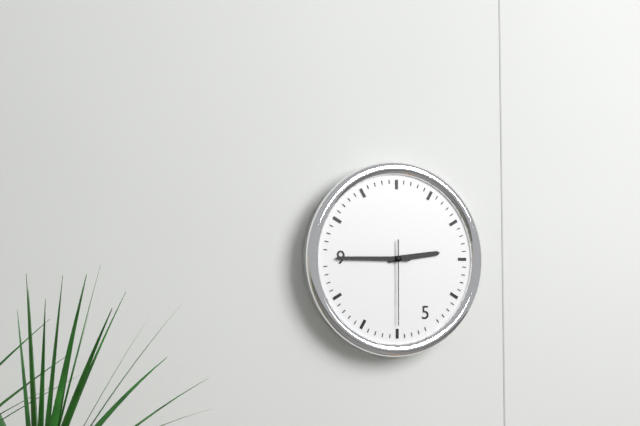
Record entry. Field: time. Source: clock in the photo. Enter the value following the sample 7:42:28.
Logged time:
2:45:30
